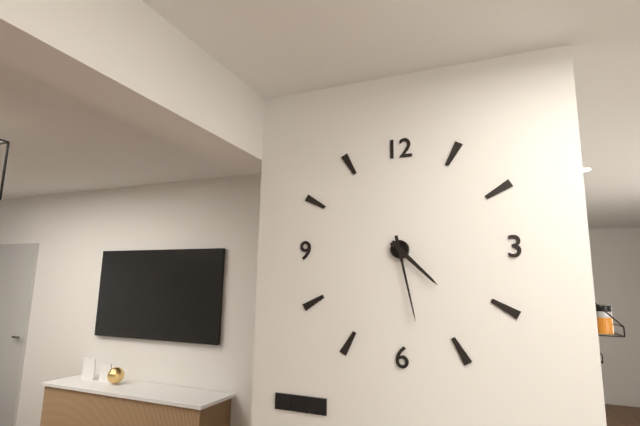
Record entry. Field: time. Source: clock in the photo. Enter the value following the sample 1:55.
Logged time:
4:28
